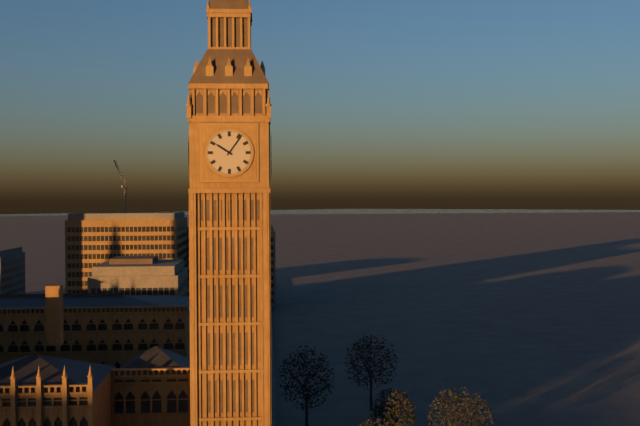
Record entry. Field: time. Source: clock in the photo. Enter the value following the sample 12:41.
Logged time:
10:06
